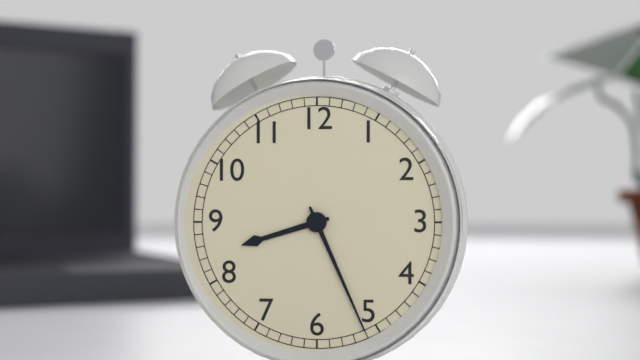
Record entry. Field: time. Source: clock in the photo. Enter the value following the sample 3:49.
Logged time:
8:26
